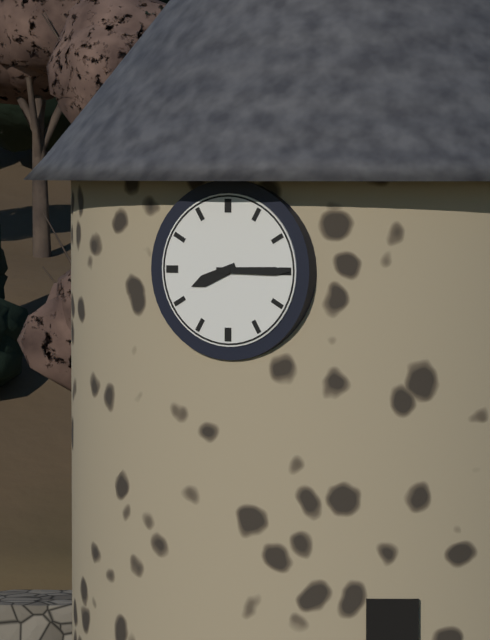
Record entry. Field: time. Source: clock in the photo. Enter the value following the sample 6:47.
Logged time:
8:15
